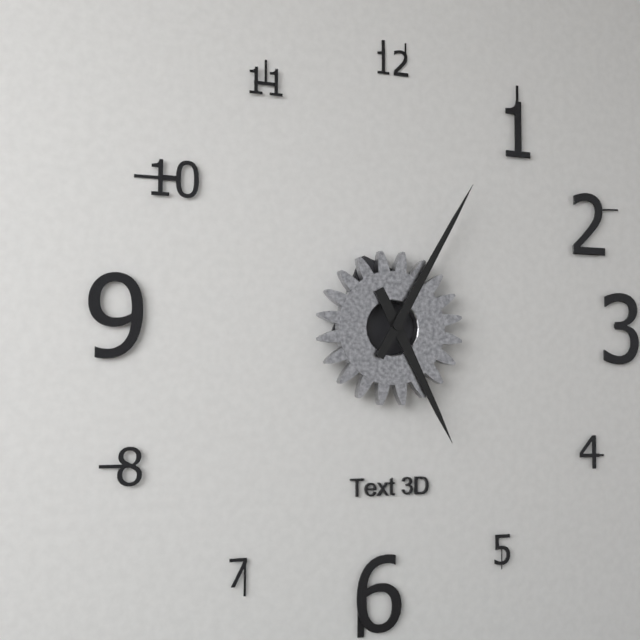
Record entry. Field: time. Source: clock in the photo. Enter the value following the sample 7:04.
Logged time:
5:05
